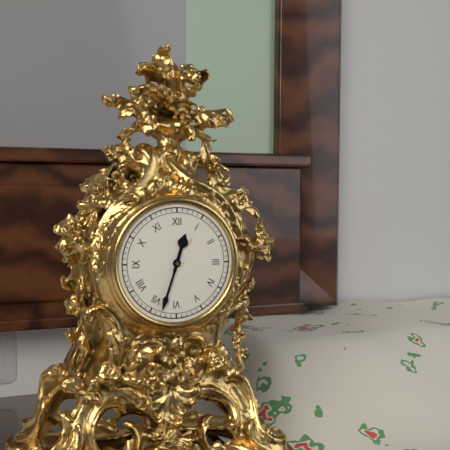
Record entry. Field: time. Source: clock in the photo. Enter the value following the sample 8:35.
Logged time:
12:33
